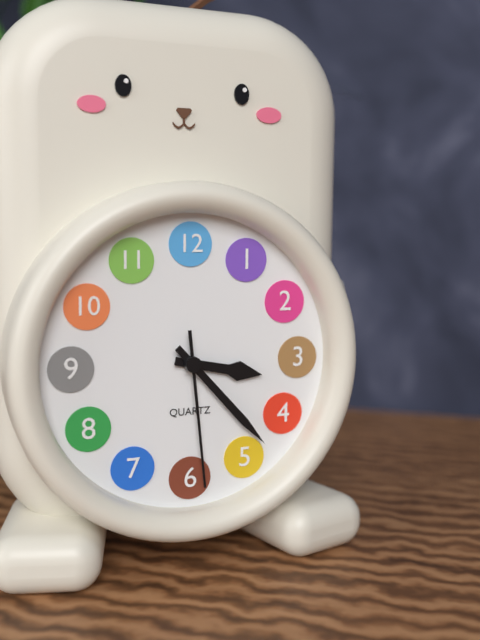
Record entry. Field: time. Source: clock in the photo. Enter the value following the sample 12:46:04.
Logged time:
3:23:29
